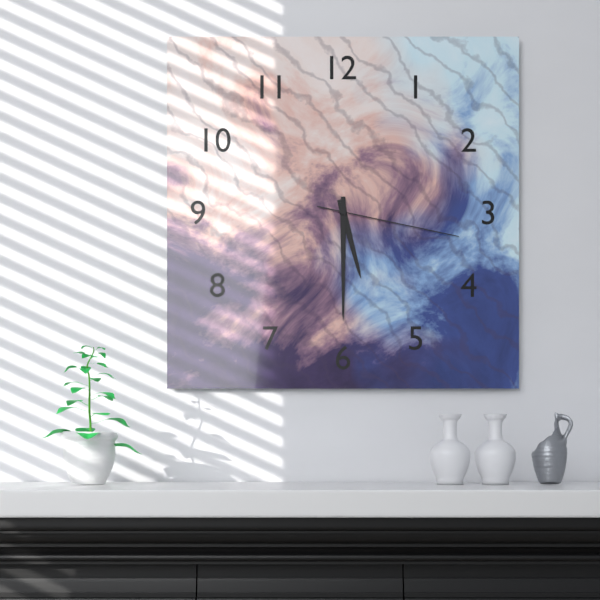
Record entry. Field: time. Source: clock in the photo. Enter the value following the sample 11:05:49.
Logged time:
5:30:17
